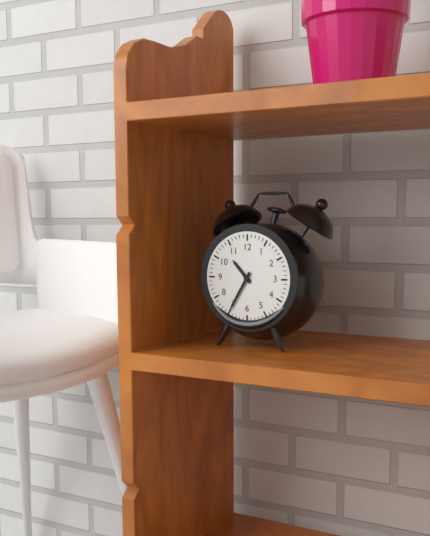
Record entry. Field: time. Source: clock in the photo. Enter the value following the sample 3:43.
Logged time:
10:35
